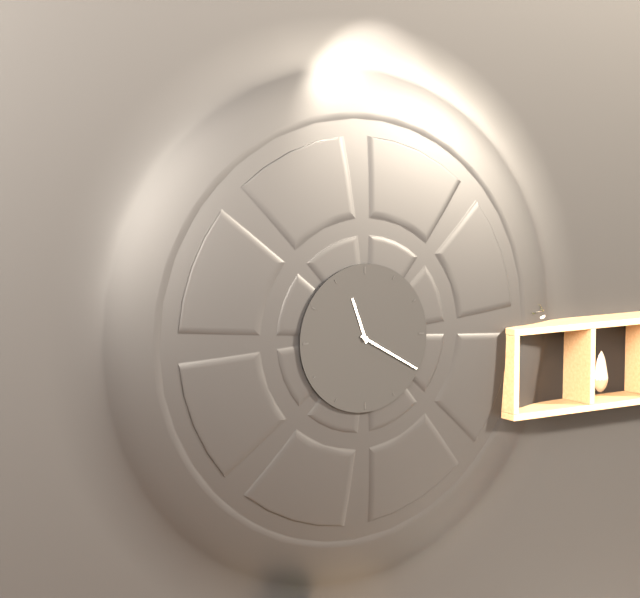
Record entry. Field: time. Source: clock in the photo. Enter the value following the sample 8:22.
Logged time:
11:20
